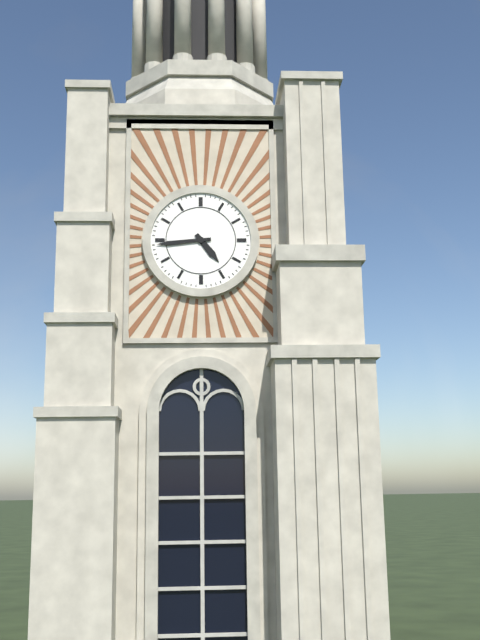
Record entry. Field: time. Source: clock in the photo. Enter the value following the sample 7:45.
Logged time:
4:44
